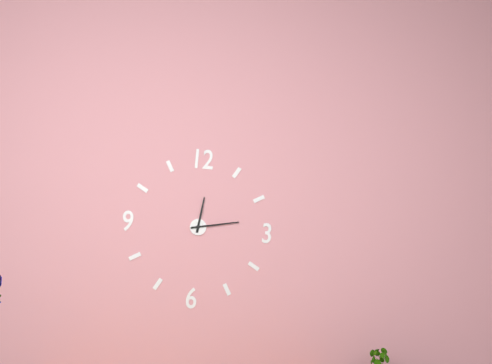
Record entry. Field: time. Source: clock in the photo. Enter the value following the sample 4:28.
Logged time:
12:13
